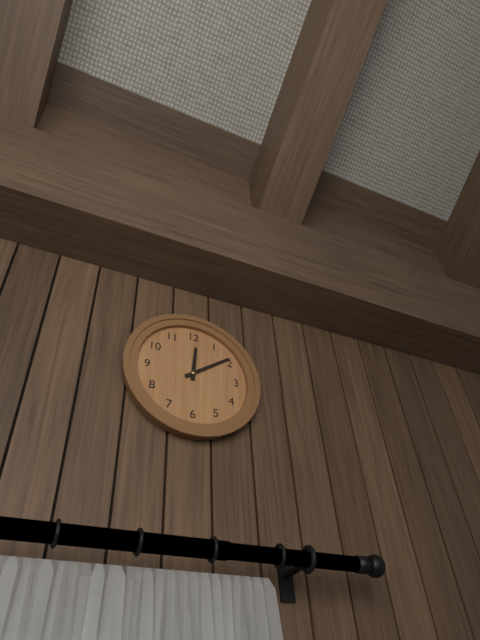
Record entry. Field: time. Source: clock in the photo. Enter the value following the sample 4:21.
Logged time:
12:09
